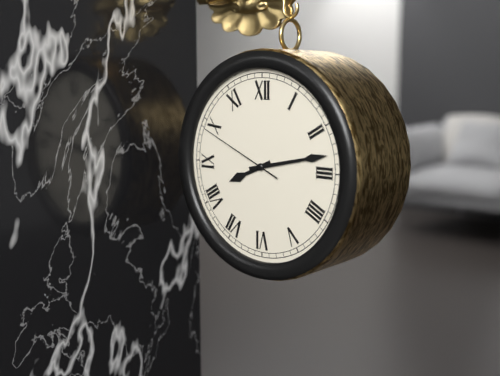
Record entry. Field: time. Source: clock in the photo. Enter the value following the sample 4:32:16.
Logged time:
8:13:49
